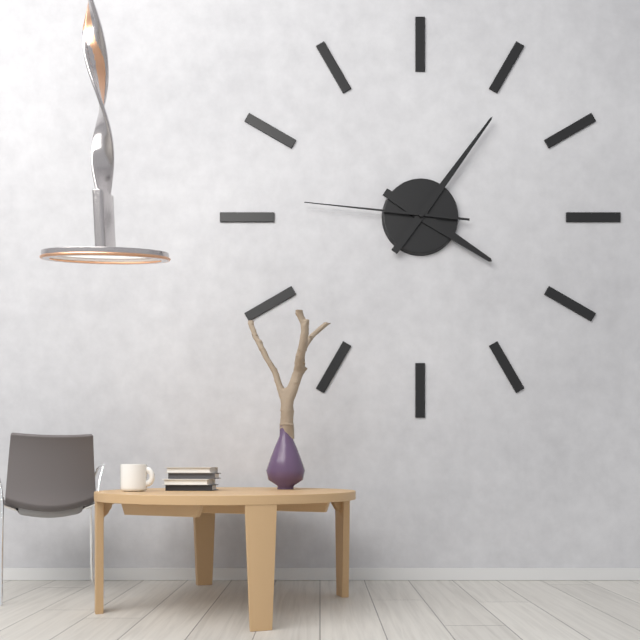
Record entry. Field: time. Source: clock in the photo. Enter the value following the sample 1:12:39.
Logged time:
4:06:46
